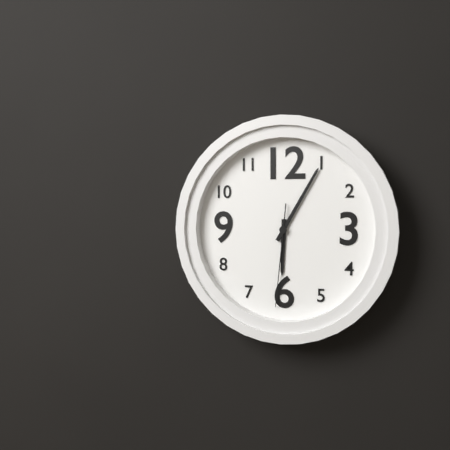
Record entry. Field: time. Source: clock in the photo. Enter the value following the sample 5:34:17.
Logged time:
6:05:31
